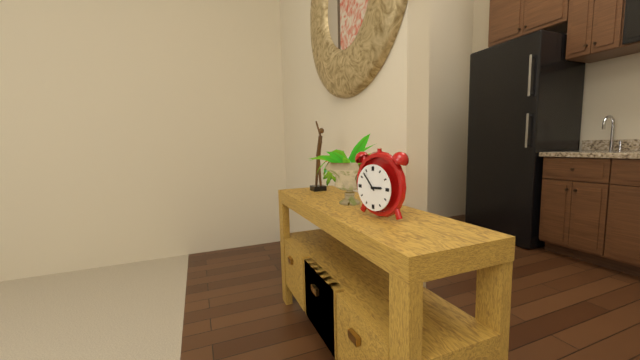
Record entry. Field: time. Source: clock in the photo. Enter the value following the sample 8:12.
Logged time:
2:53
